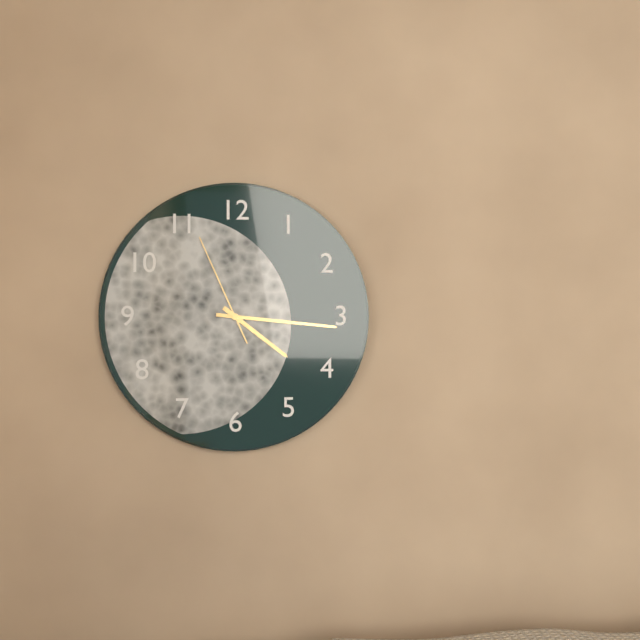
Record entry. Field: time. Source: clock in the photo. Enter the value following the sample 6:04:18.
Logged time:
4:16:56
